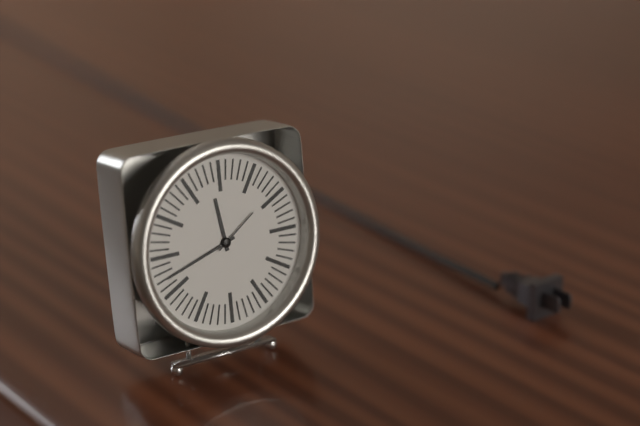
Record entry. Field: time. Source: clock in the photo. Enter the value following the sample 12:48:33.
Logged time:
11:42:09
